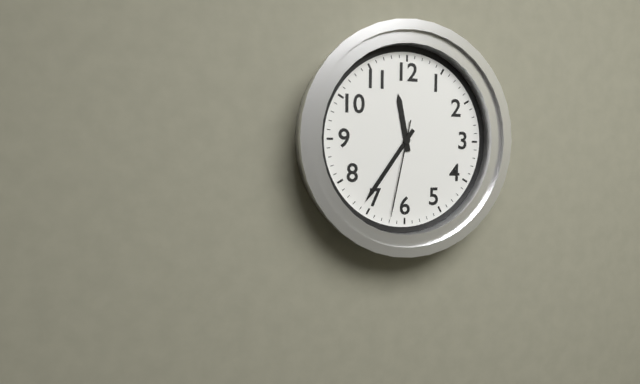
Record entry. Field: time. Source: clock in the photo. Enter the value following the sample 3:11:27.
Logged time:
11:36:32
